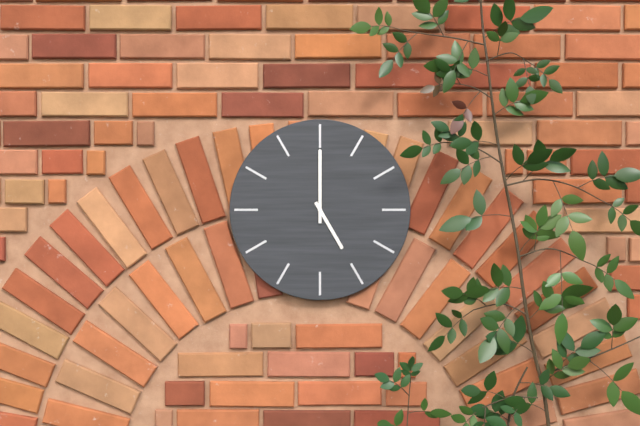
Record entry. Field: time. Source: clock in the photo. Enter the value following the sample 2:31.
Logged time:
5:00
